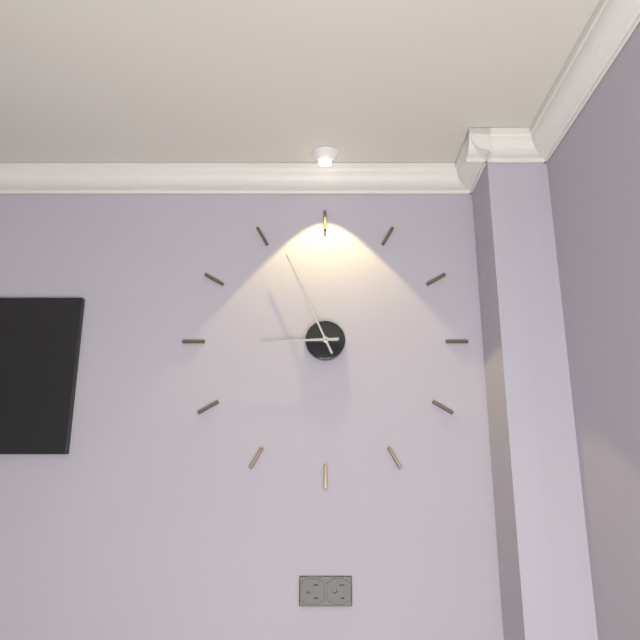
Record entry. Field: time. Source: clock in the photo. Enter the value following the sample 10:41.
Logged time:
8:56
